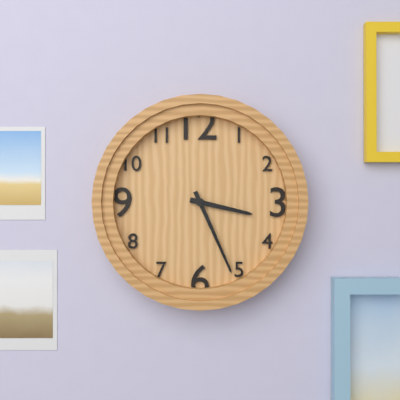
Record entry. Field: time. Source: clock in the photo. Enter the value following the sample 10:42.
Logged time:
3:26
